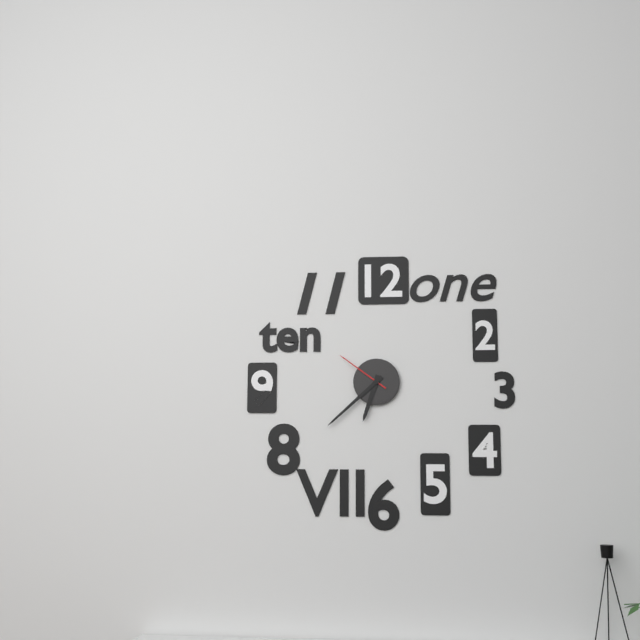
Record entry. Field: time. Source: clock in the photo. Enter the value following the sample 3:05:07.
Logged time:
6:38:51
